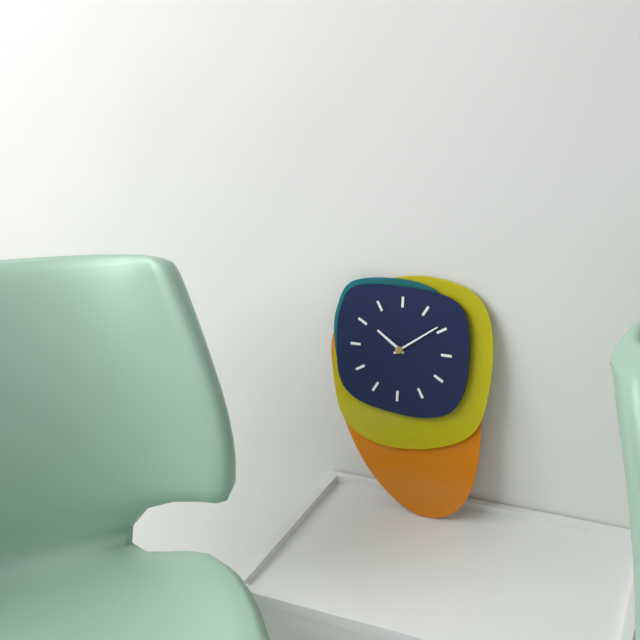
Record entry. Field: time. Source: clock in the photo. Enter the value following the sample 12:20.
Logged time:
10:09
